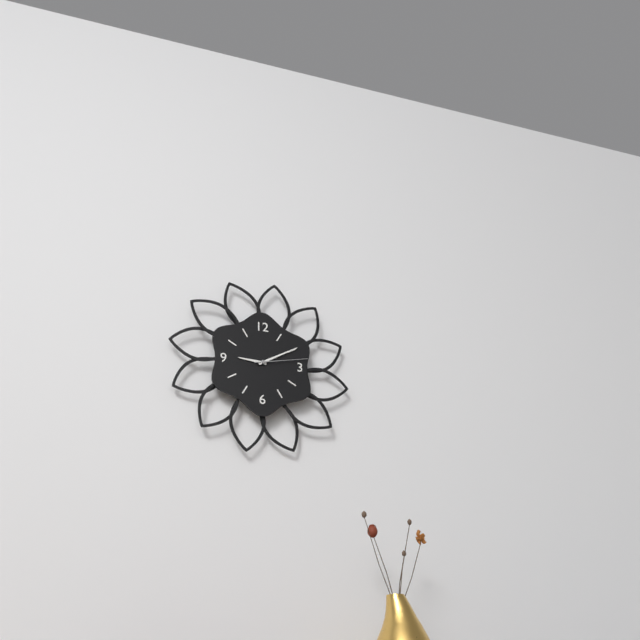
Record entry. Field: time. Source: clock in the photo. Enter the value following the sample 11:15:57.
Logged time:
9:10:13
